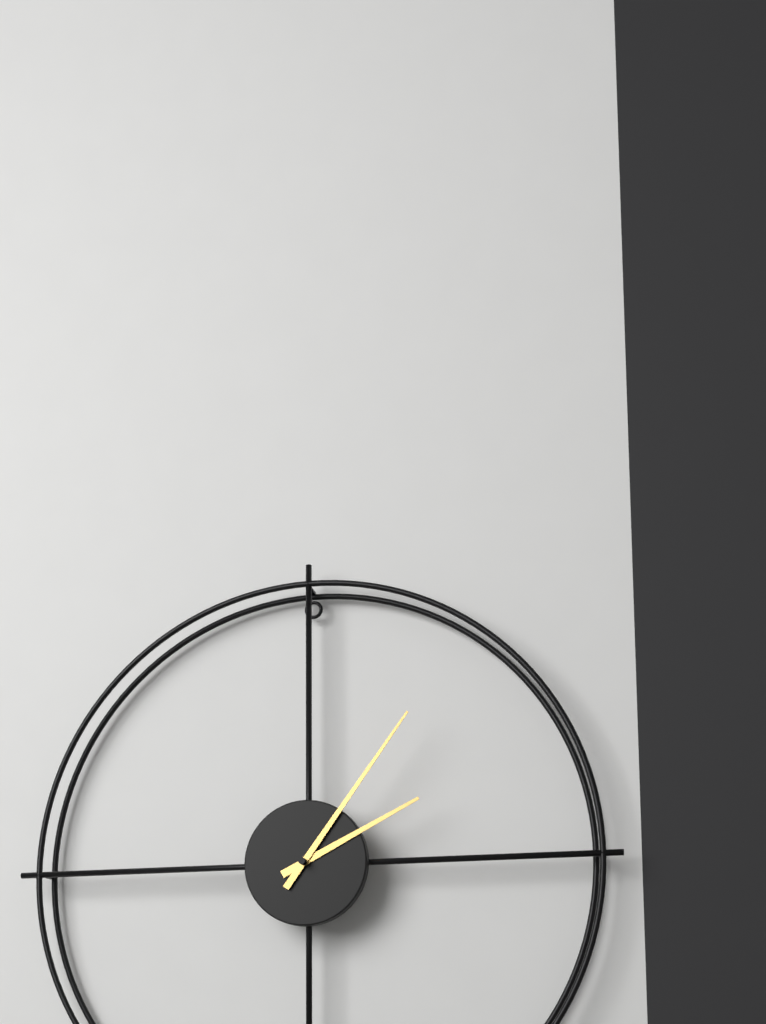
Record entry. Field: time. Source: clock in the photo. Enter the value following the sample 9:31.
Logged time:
2:06
